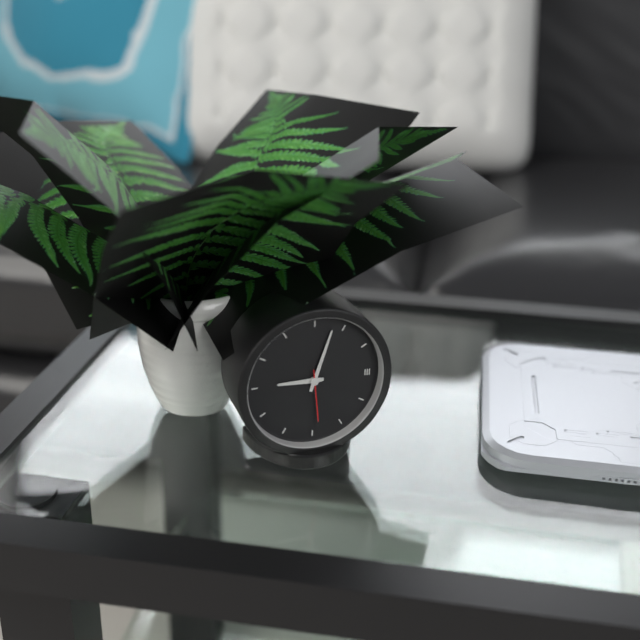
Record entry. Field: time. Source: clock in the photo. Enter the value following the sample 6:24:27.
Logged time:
9:03:29
